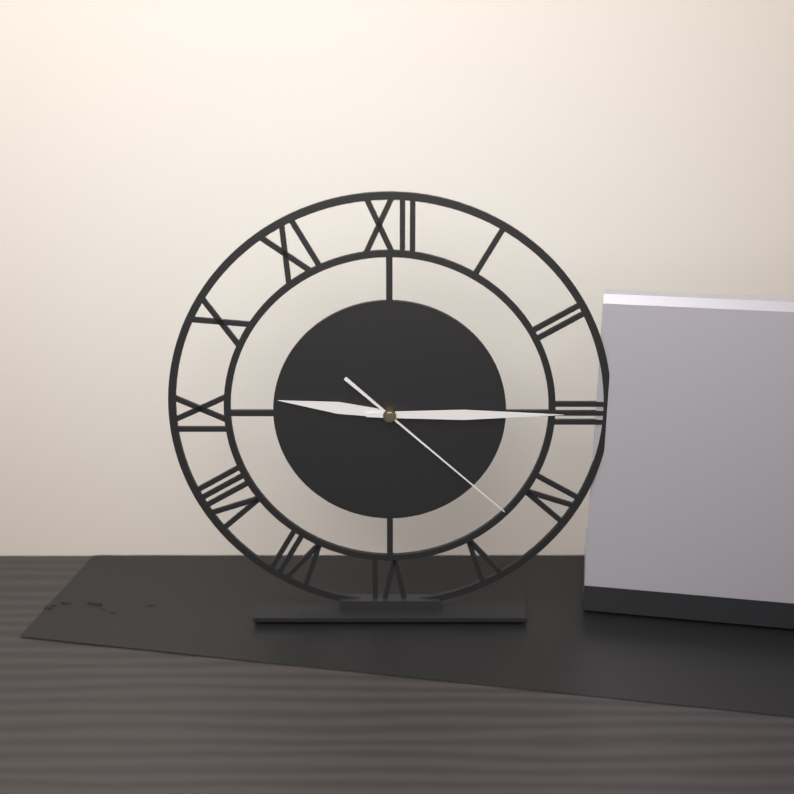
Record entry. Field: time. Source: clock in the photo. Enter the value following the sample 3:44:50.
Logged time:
9:15:22
